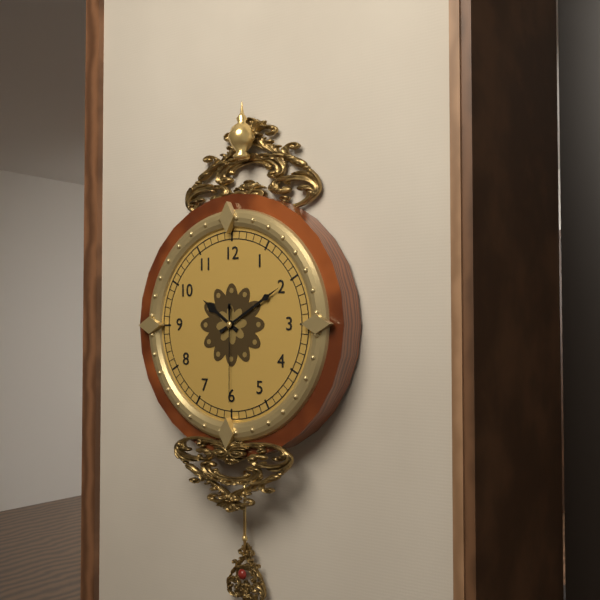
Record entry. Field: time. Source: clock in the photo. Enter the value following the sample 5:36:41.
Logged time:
10:10:30
